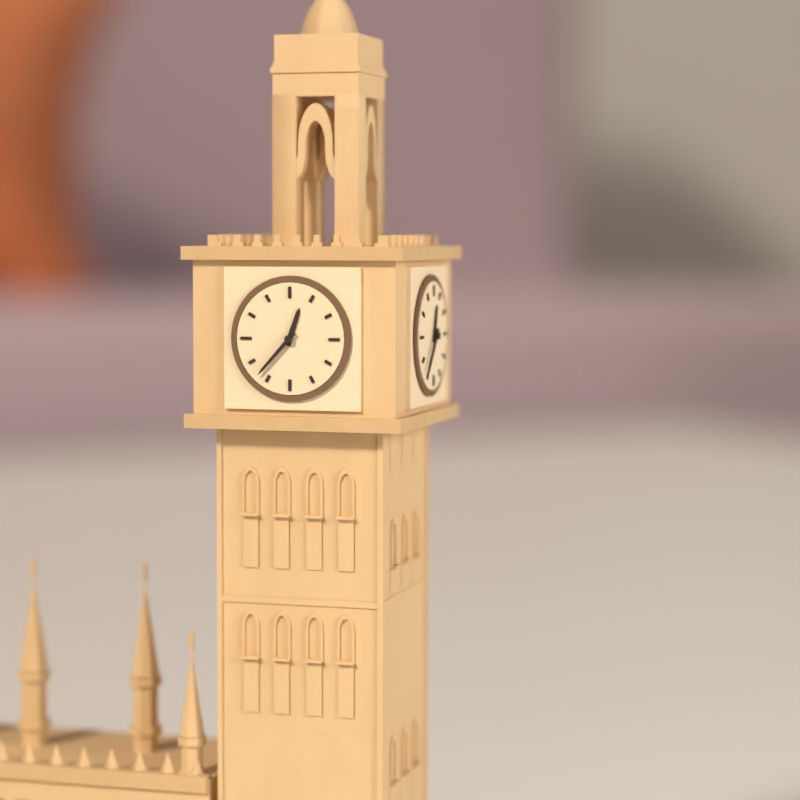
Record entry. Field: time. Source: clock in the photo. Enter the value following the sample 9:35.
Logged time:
12:37
